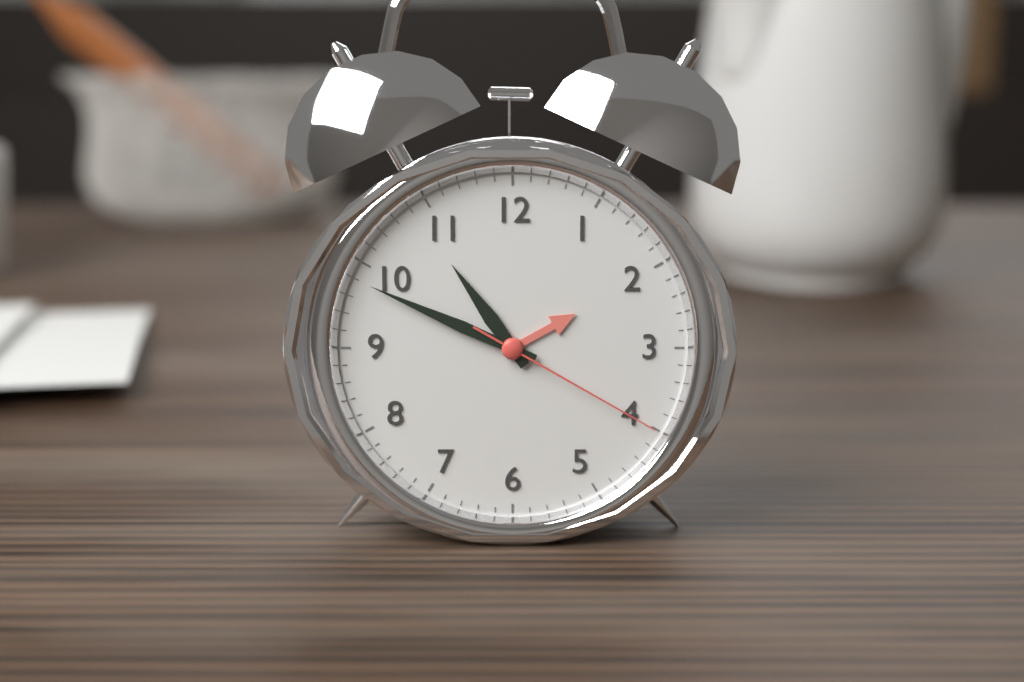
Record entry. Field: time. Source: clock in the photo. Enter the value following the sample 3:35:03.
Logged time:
10:49:20
